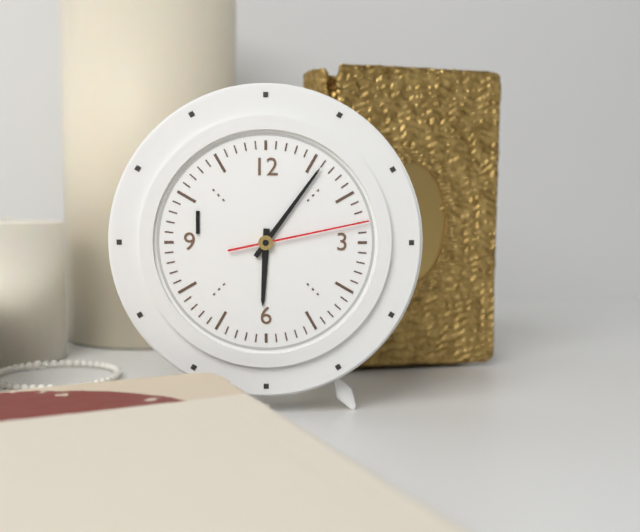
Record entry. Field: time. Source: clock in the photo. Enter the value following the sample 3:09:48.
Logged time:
6:06:13
